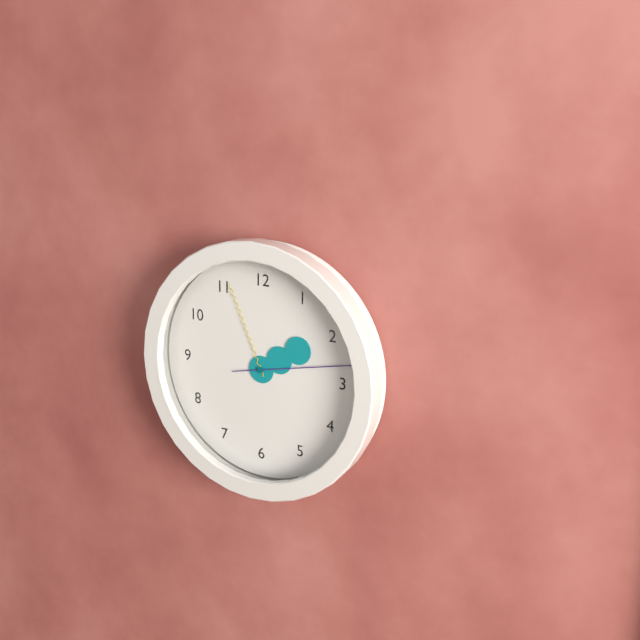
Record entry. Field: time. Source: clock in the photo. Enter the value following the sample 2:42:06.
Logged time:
1:56:13
